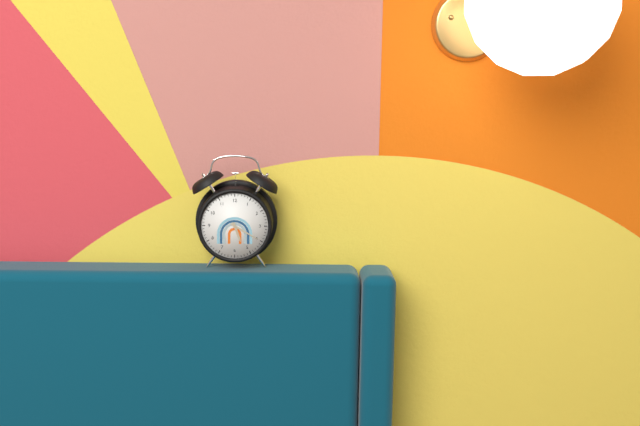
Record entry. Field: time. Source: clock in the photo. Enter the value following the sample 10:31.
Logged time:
5:20
